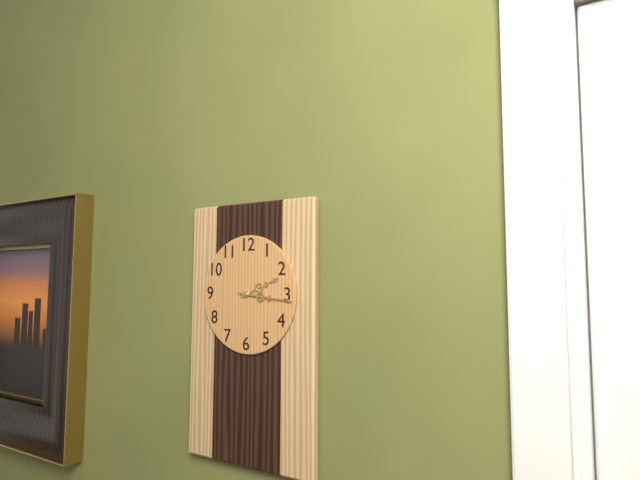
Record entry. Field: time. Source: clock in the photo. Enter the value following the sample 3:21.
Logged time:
2:16
